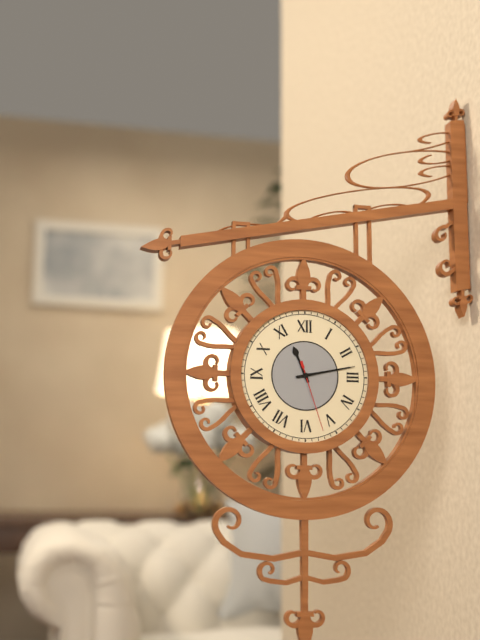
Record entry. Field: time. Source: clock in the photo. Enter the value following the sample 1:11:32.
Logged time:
11:13:27
